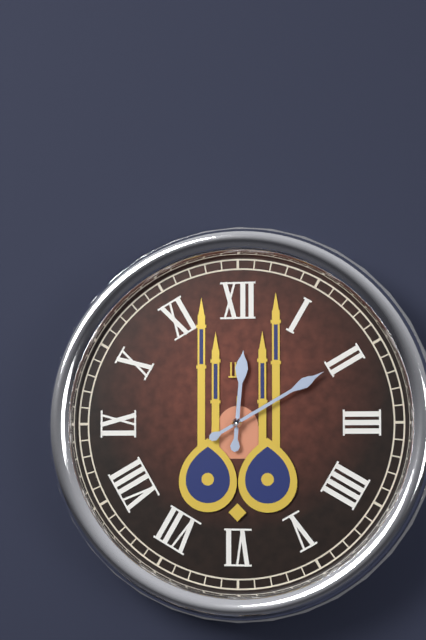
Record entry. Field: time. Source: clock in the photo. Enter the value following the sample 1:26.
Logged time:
12:10
